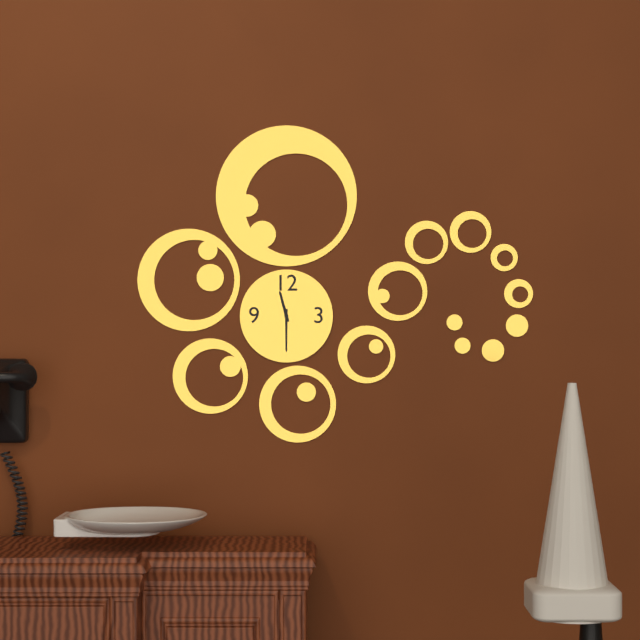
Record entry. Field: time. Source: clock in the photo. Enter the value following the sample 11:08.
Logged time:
11:30
